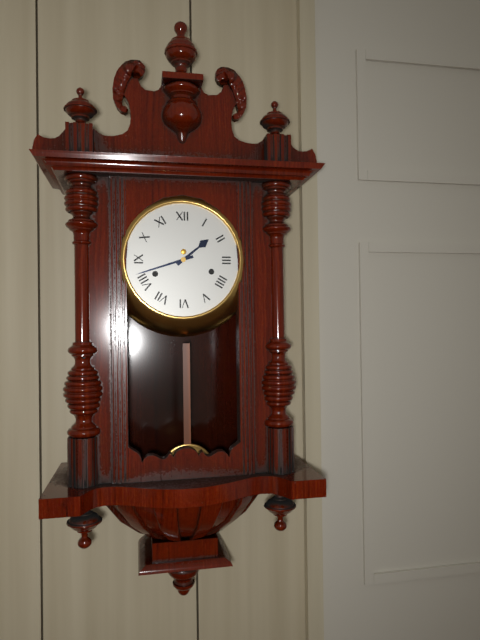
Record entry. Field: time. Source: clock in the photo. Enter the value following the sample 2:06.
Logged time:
1:42
